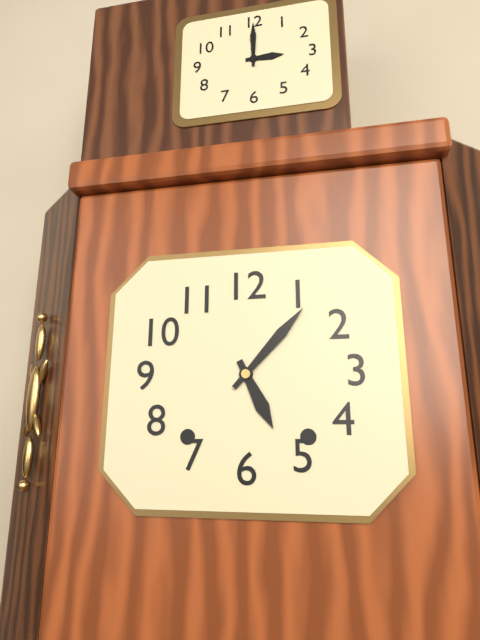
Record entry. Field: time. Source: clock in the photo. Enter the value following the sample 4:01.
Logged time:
5:07
